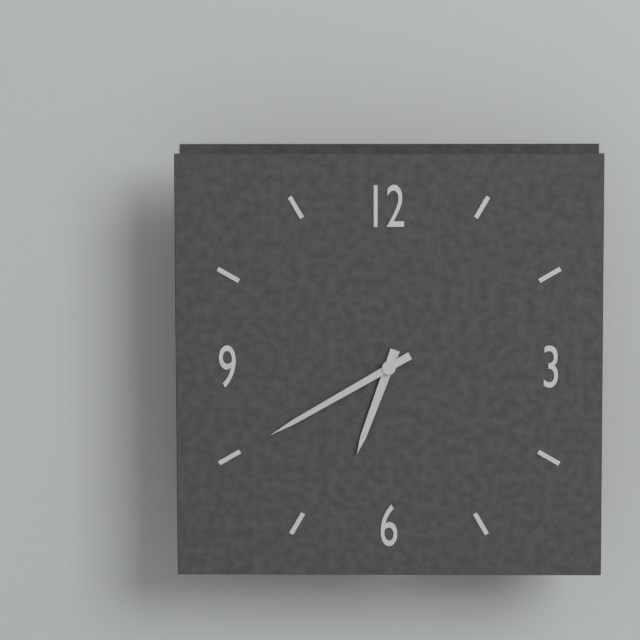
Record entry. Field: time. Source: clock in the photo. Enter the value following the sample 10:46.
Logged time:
6:40
